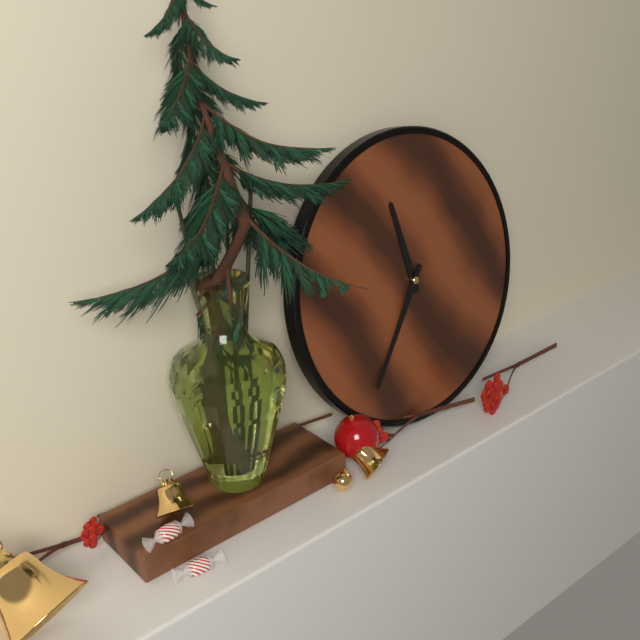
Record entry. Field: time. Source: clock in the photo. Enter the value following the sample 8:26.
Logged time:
11:36
